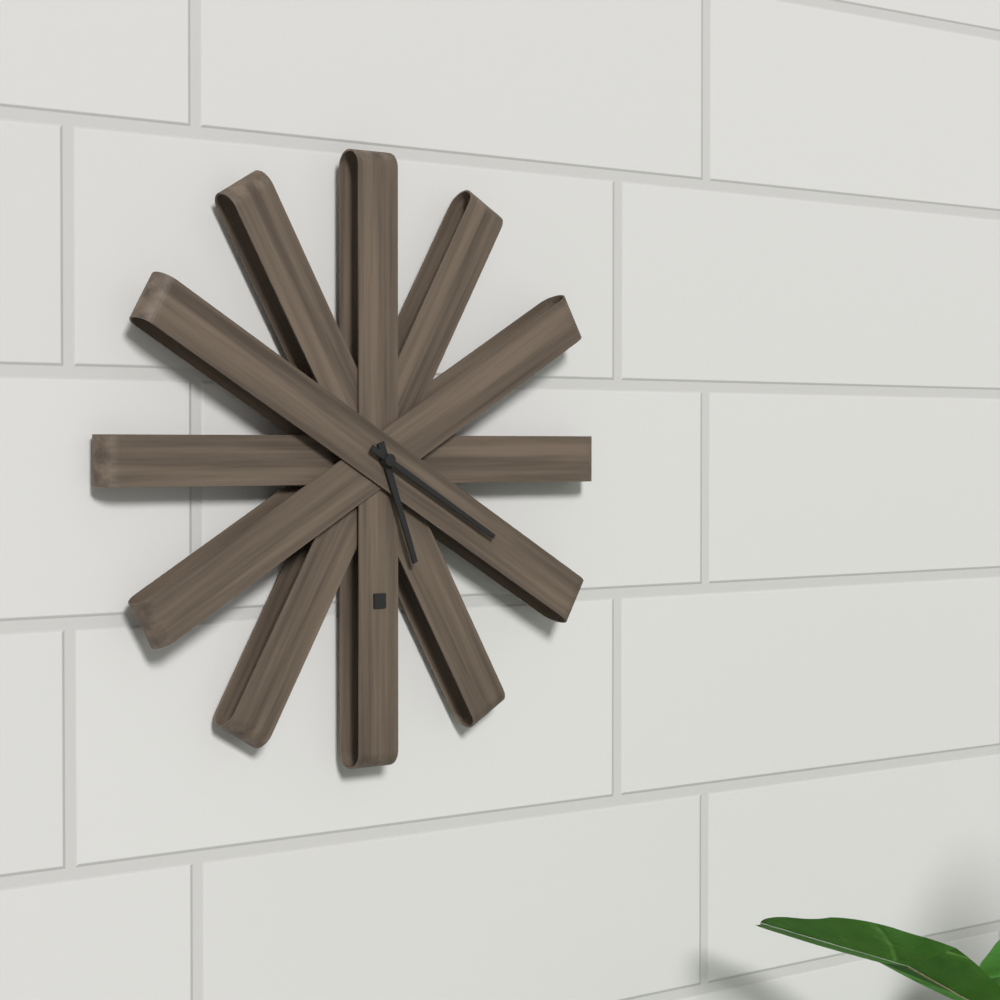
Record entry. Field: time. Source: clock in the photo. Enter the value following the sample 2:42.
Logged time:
5:20
